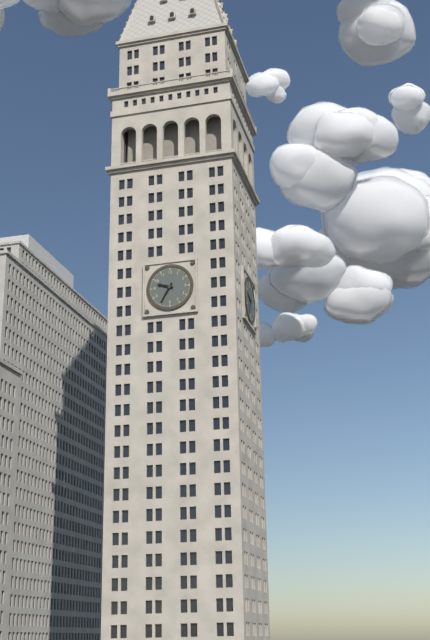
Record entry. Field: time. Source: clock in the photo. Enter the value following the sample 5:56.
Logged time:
9:35
